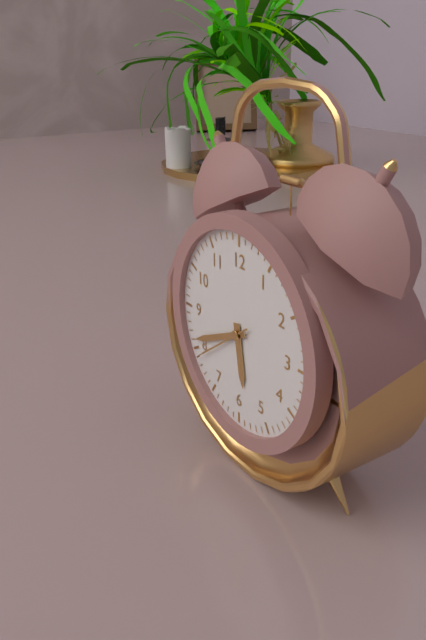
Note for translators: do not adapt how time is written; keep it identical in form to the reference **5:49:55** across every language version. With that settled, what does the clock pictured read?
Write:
**5:41:39**
